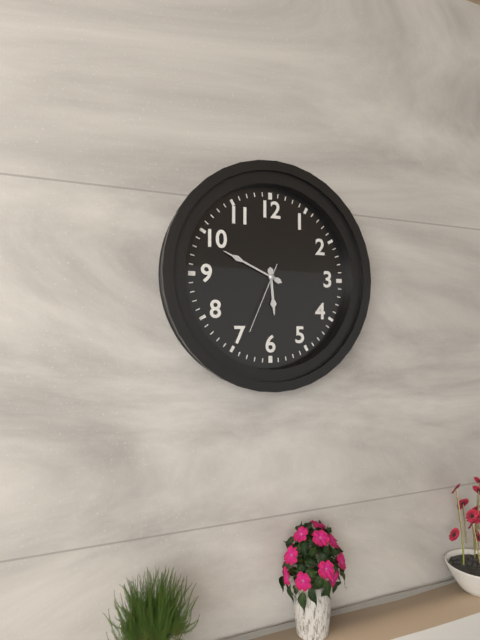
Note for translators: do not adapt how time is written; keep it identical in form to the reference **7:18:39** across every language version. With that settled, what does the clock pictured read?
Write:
**5:49:34**
